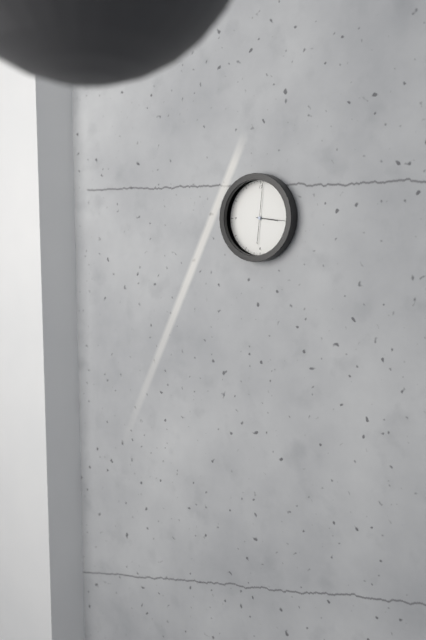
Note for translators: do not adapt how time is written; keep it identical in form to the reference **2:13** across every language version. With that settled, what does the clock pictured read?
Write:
**3:16**
